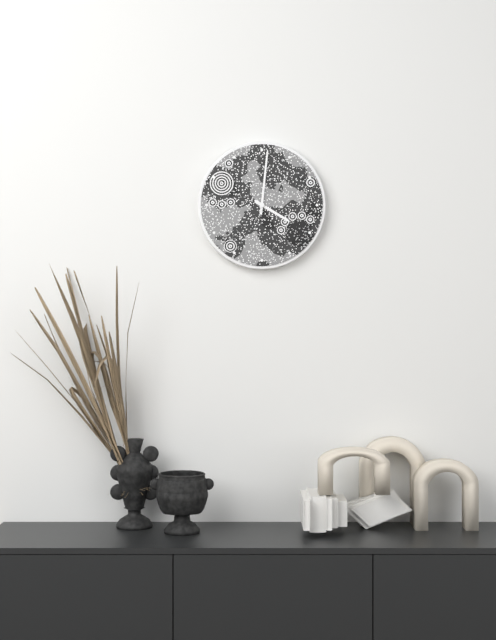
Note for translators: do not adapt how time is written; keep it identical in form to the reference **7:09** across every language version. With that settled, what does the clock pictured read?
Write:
**4:01**
